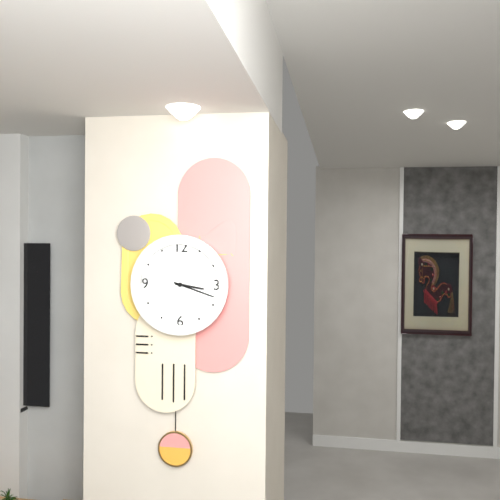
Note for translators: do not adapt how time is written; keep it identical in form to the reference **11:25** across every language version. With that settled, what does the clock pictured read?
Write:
**3:18**
